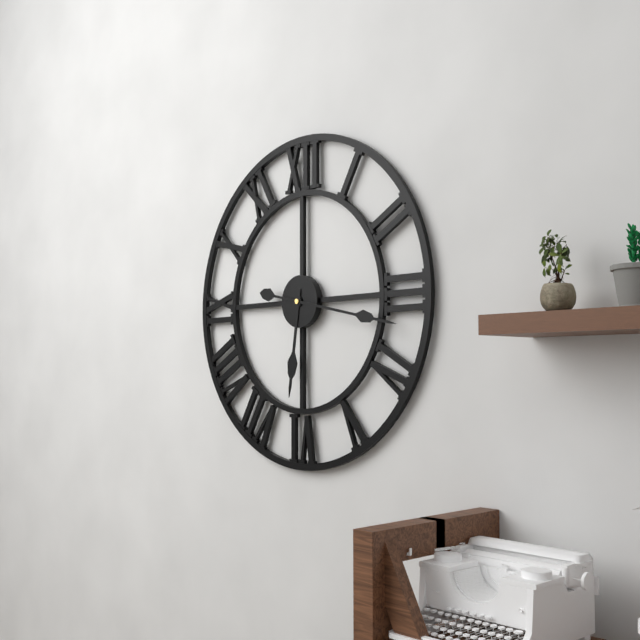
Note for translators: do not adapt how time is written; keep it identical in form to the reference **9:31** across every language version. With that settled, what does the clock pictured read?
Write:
**6:17**
